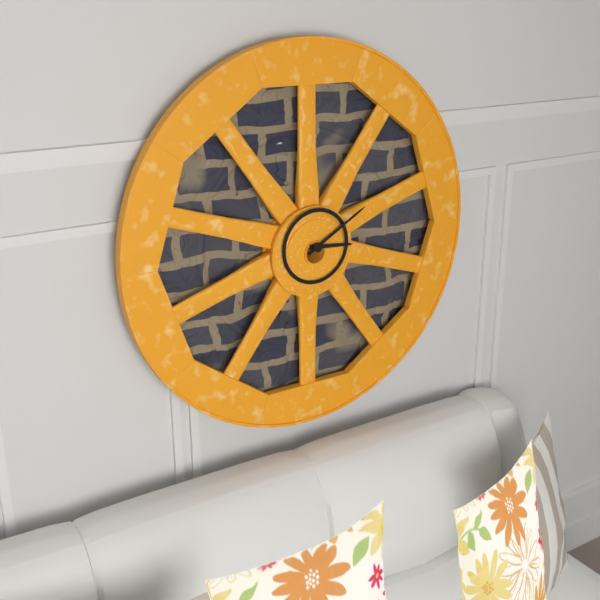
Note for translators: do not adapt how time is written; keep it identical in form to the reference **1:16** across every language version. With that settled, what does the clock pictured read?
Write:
**3:10**
